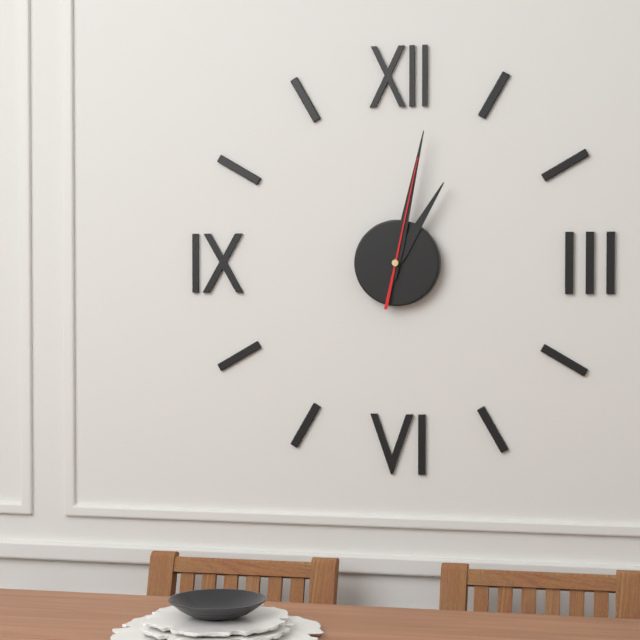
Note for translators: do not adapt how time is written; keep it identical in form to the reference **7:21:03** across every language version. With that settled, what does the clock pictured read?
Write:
**1:02:02**
